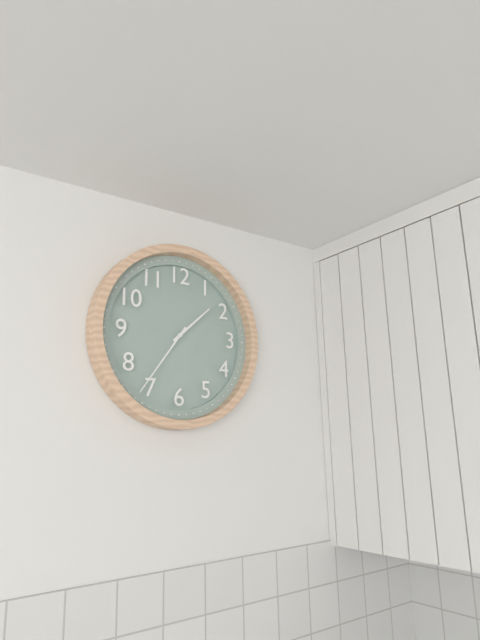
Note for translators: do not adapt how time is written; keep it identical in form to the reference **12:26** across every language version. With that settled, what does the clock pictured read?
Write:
**1:36**
